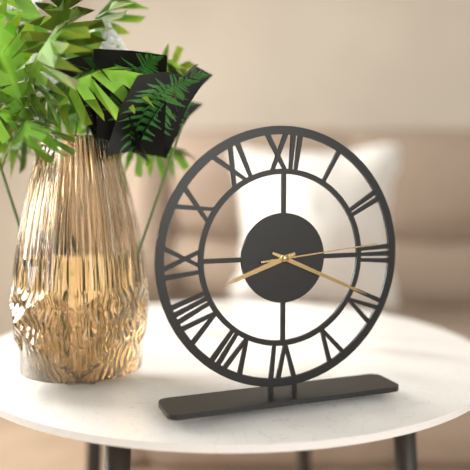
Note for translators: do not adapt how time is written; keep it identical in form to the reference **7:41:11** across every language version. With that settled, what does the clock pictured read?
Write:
**8:19:14**
